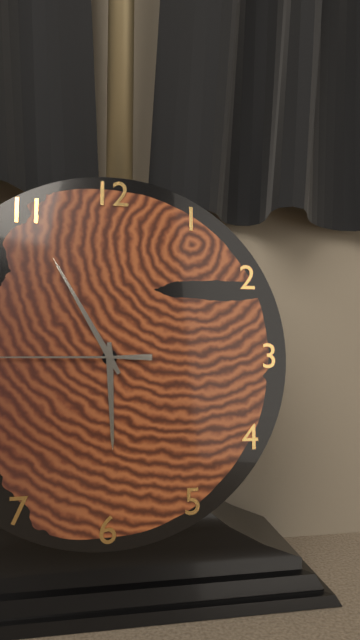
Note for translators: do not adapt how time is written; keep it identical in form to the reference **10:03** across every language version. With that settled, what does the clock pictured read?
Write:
**5:55**
